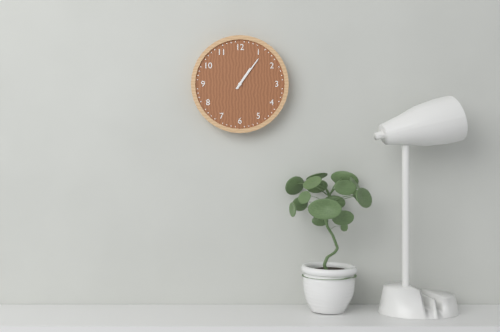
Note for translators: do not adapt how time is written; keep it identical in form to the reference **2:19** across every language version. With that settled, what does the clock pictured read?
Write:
**1:06**
